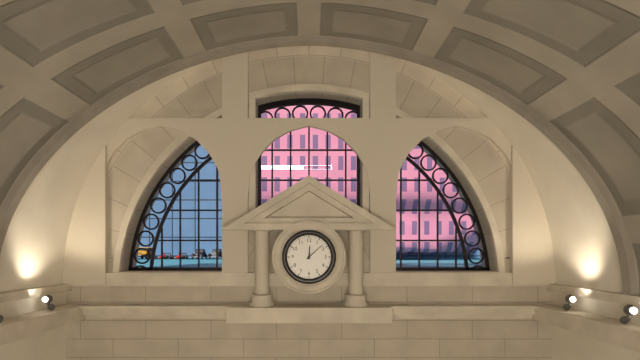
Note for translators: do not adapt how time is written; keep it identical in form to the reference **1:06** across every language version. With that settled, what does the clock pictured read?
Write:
**12:08**
